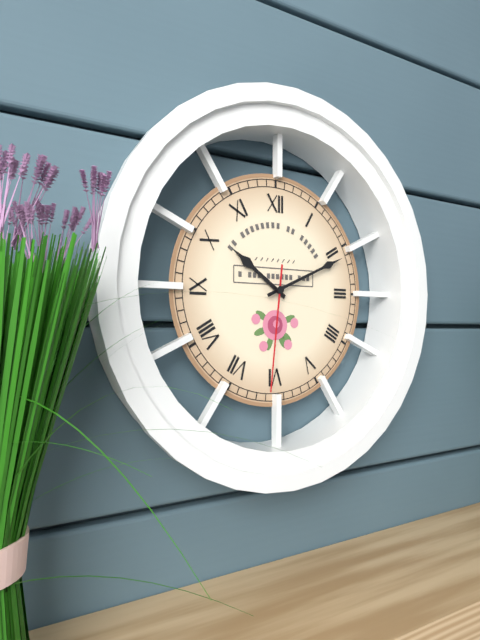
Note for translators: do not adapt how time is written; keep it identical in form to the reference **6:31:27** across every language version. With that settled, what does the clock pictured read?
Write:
**10:11:31**
